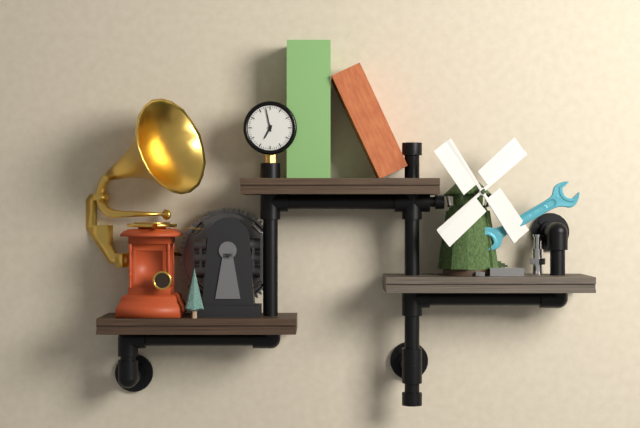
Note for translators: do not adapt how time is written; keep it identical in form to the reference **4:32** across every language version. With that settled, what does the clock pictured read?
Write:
**6:58**
